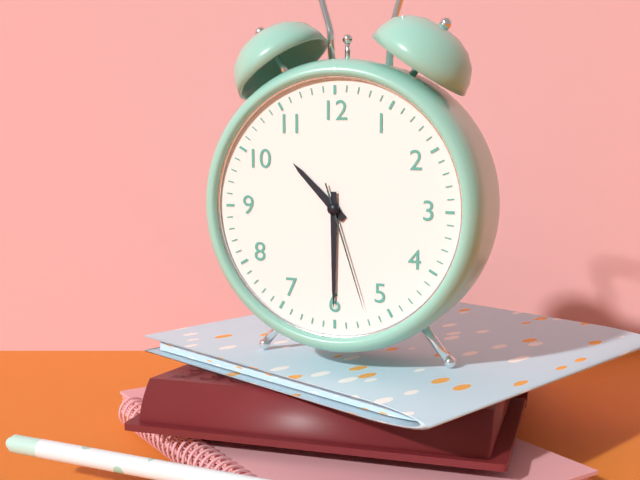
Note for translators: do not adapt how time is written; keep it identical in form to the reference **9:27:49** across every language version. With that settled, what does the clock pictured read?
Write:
**10:30:27**
